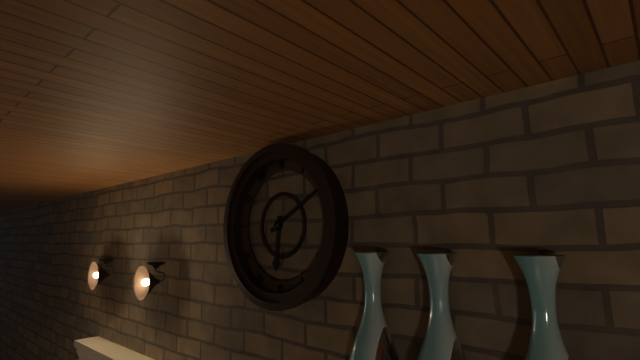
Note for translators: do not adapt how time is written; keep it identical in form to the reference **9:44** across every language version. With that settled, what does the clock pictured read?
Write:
**6:10**
